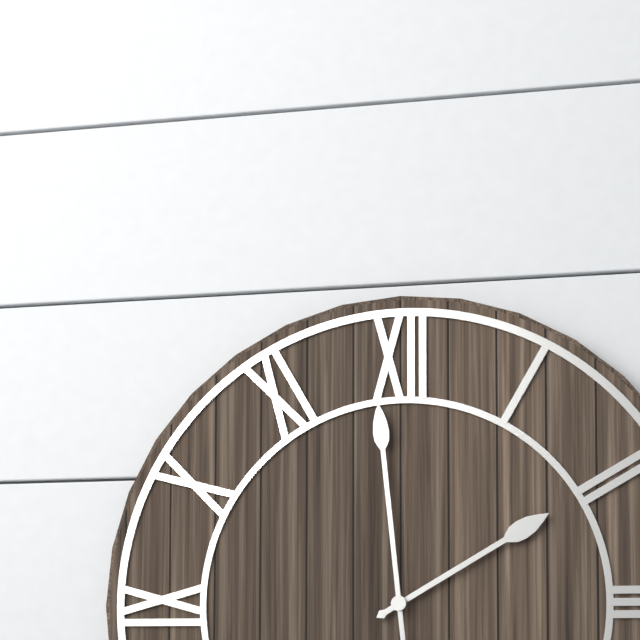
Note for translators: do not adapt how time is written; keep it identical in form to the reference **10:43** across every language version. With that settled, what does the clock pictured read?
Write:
**1:59**
